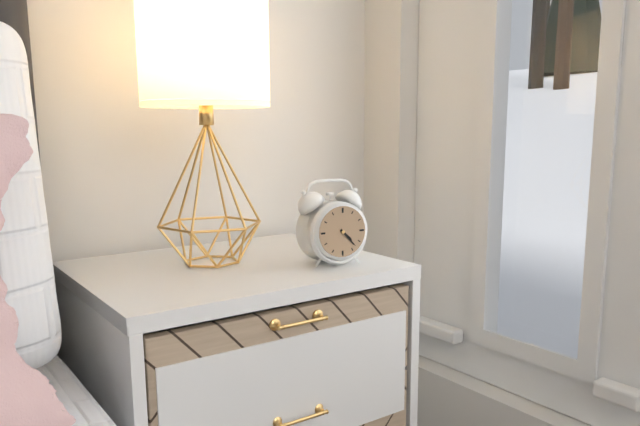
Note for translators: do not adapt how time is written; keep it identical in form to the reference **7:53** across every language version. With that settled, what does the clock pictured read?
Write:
**4:23**
